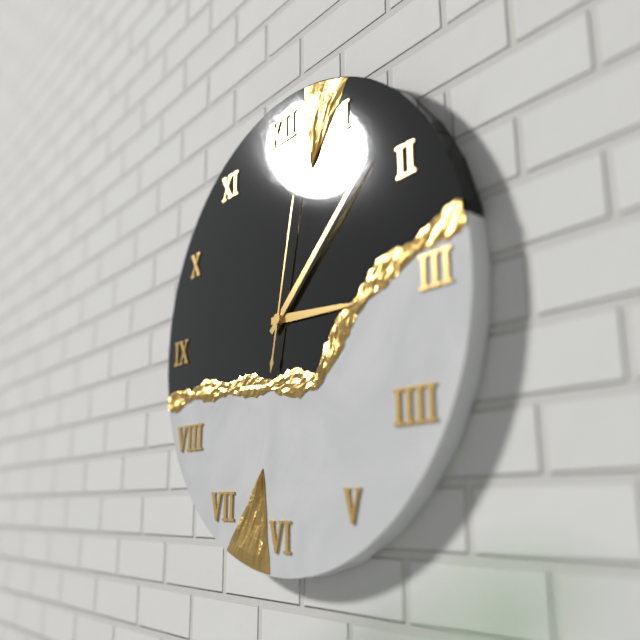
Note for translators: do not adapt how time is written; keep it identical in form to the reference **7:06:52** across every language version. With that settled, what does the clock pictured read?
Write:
**3:08:02**
